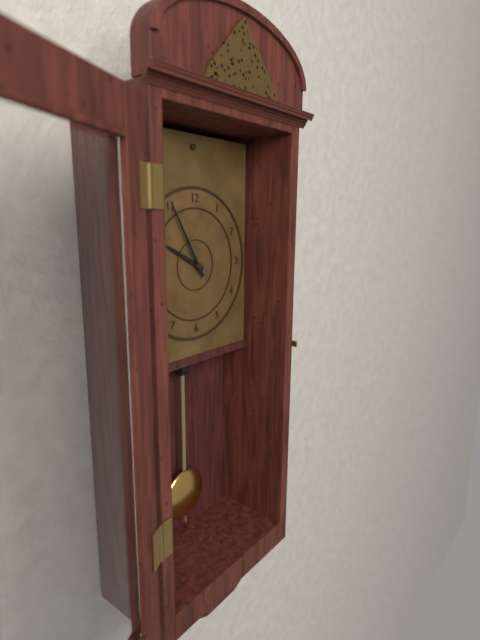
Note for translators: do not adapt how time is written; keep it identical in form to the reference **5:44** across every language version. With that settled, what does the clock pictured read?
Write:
**9:55**
